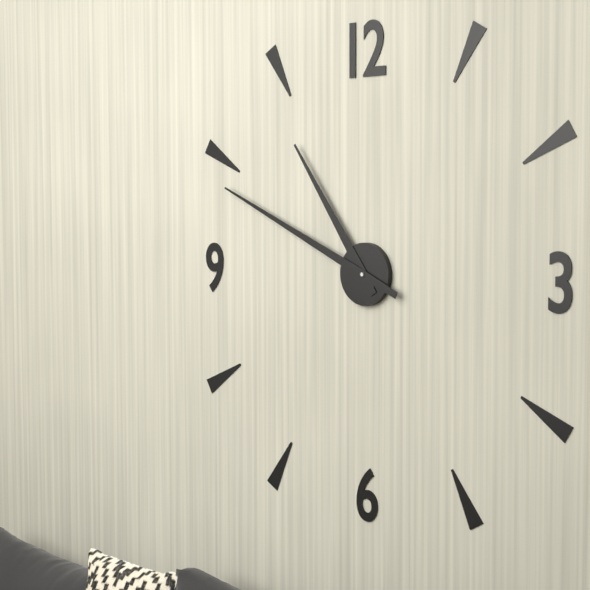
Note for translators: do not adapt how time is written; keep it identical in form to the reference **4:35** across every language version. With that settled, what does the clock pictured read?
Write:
**10:49**
